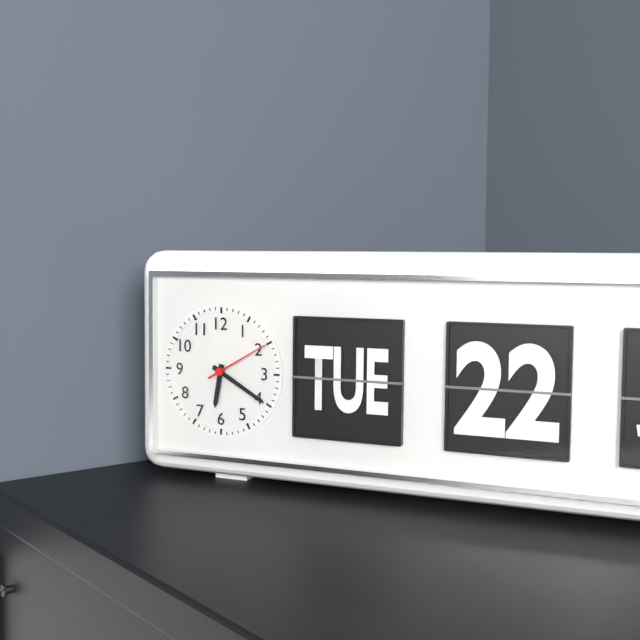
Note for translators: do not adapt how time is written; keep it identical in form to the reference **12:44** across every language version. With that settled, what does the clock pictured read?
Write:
**6:20**
